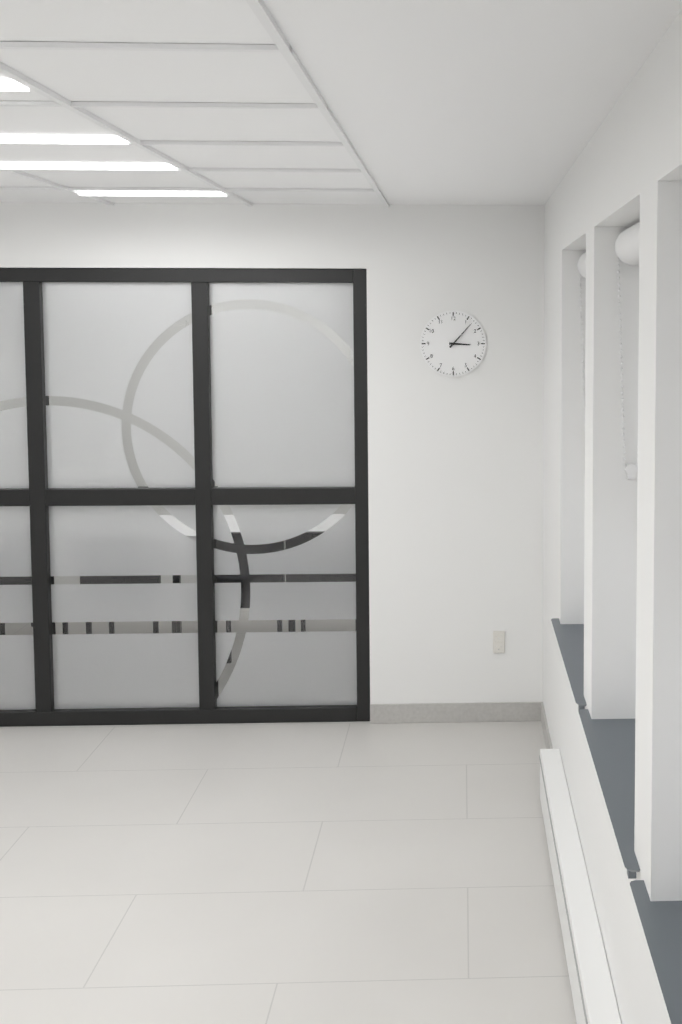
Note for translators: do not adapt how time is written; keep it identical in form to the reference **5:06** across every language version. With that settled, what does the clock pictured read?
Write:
**3:07**
